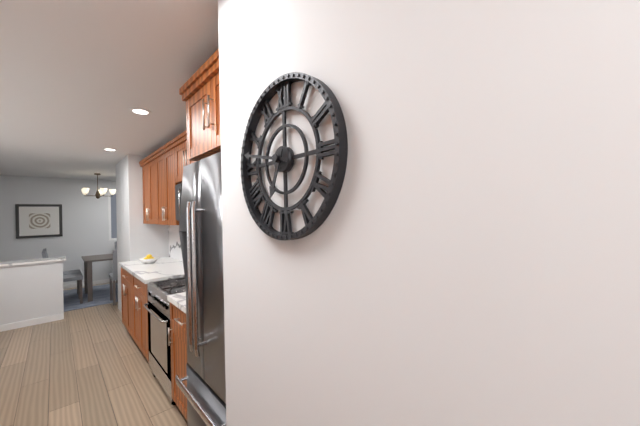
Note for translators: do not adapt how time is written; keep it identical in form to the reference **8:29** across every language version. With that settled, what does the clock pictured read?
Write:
**6:47**
